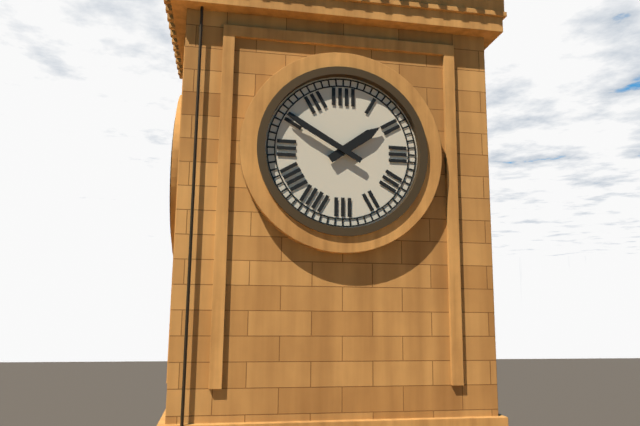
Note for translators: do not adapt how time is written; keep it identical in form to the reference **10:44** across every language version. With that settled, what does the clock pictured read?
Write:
**1:50**
